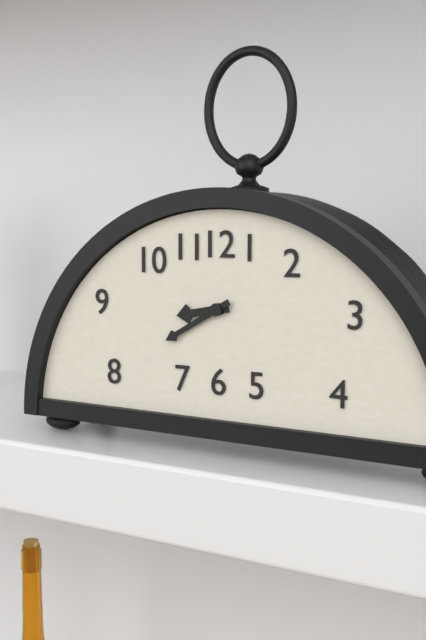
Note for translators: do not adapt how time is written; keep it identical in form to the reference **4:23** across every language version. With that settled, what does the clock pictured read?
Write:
**8:40**
